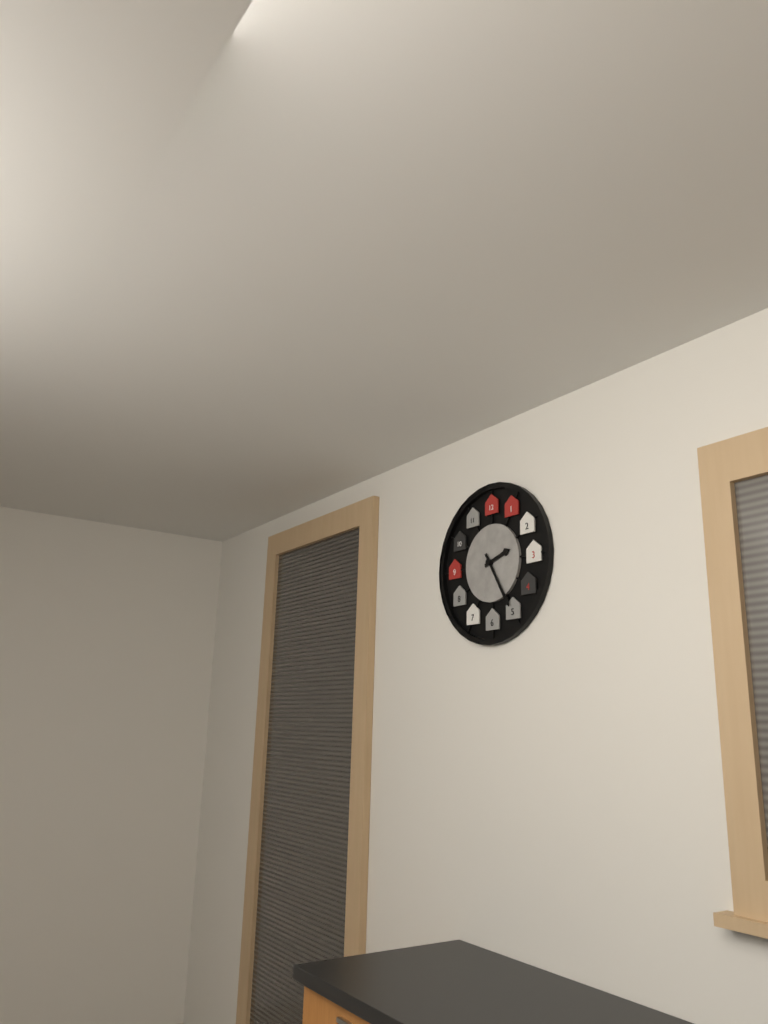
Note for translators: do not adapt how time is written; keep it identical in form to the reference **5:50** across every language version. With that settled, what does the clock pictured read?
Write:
**2:25**
